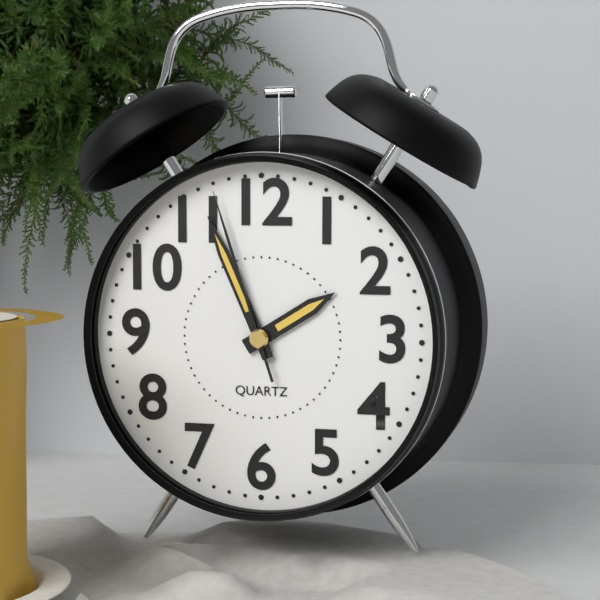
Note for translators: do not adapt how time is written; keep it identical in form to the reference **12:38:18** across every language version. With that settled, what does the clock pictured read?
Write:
**1:56:57**
